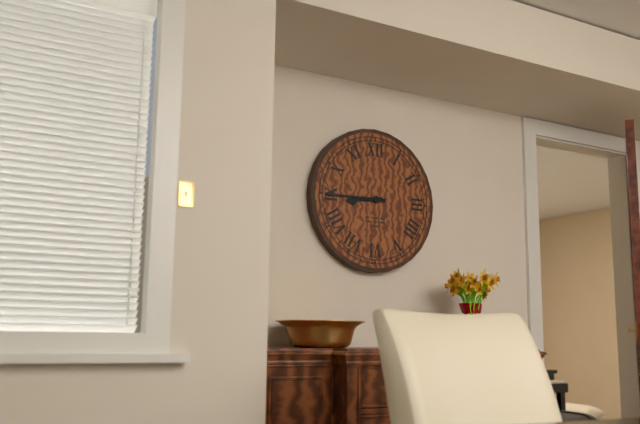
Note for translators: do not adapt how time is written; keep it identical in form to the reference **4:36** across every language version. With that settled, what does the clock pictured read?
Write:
**8:45**
